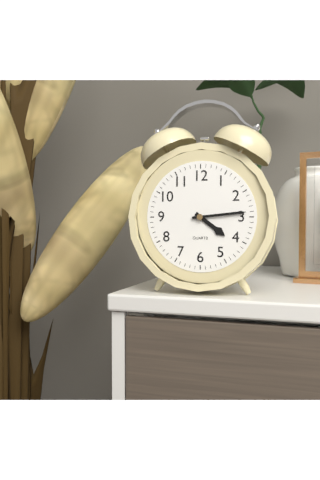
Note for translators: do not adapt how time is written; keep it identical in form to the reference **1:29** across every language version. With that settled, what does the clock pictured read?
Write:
**4:14**
